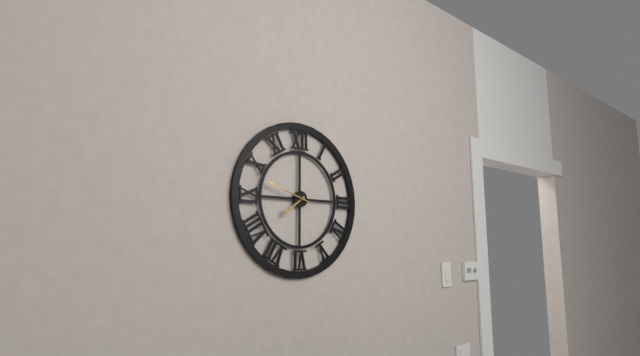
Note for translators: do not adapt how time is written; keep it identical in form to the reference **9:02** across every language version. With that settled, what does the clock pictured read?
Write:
**7:48**
